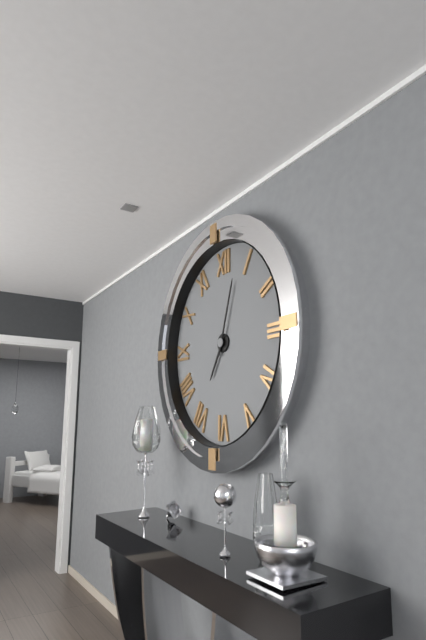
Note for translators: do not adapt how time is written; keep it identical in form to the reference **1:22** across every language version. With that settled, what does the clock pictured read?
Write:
**7:03**
